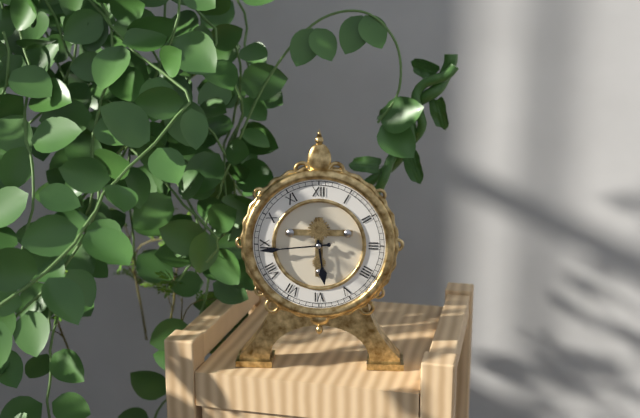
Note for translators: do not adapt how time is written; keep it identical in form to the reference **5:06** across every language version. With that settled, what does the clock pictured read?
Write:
**5:44**
